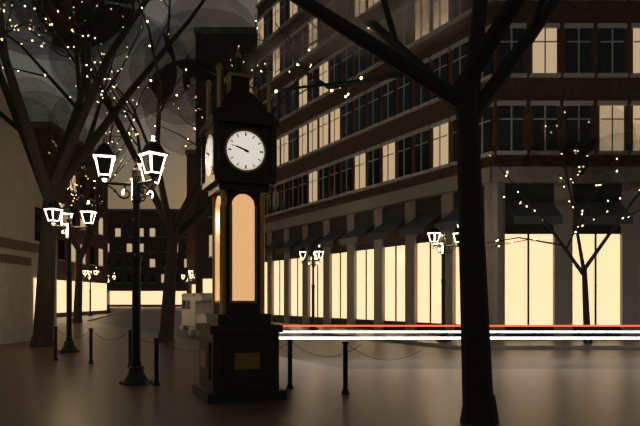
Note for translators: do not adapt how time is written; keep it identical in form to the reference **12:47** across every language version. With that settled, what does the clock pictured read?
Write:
**9:48**
